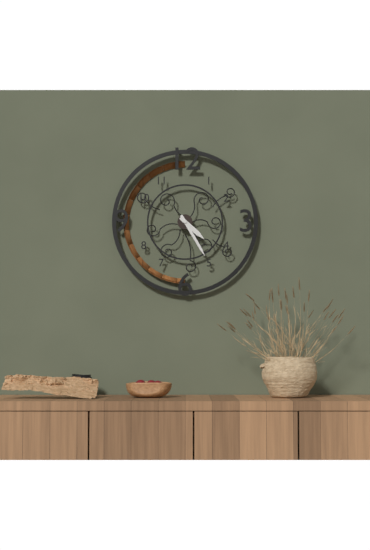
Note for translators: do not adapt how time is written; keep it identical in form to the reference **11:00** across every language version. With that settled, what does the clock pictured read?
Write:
**4:25**
